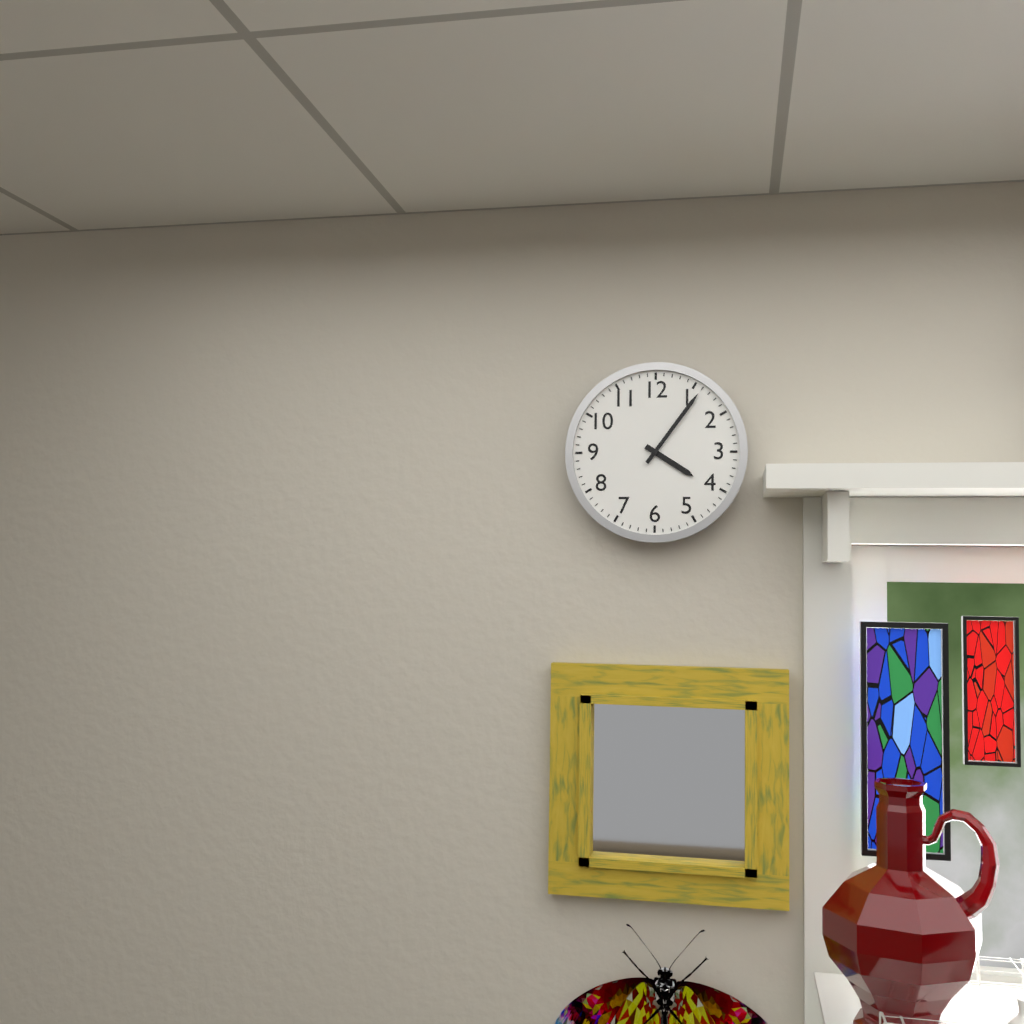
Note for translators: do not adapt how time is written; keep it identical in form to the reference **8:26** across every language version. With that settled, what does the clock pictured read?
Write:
**4:06**
